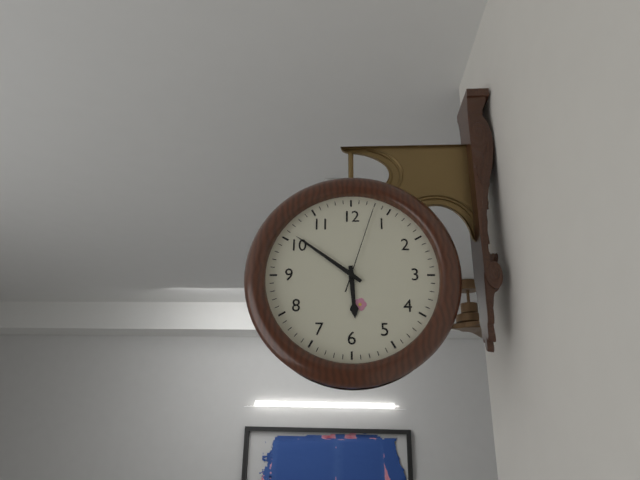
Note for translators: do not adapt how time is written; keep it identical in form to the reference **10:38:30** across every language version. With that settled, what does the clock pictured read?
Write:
**5:51:03**
